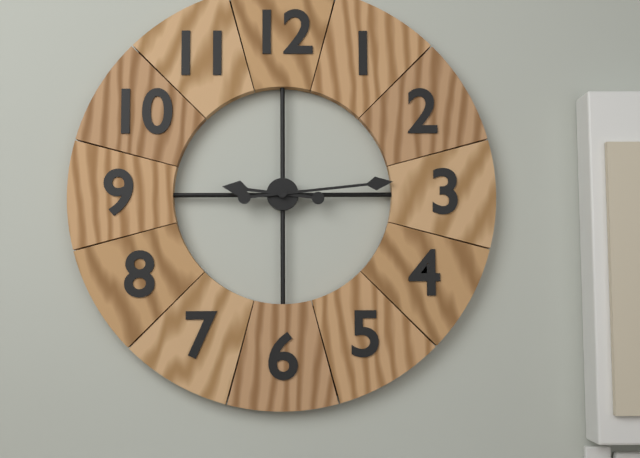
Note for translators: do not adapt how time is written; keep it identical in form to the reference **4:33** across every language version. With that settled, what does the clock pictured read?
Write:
**9:14**
